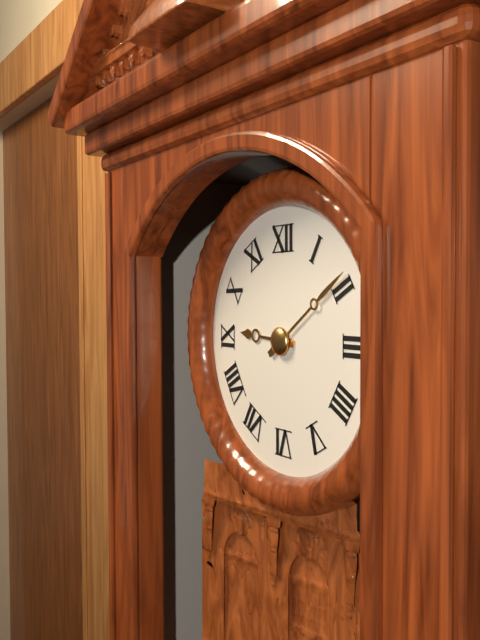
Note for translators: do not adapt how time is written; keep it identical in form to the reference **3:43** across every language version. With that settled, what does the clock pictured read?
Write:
**9:09**
